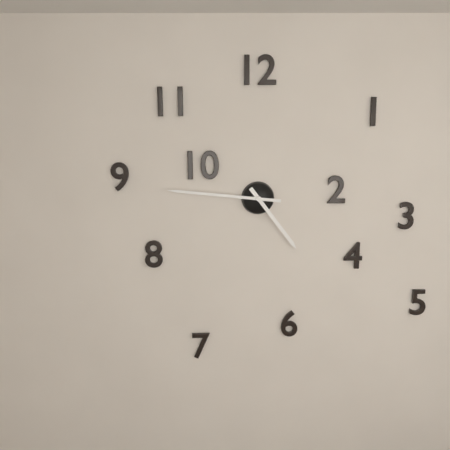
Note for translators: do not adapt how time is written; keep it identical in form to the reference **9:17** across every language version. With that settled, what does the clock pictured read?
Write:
**4:46**
